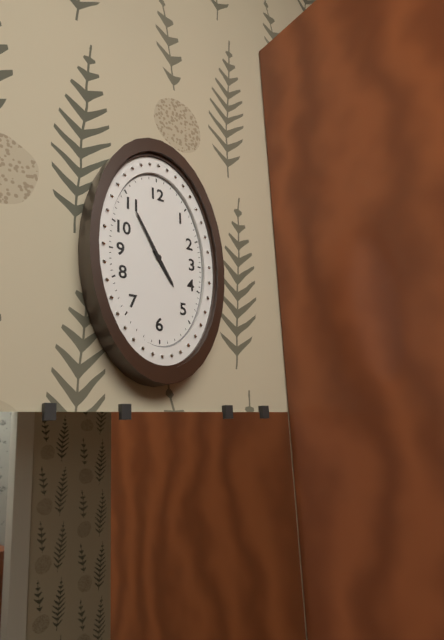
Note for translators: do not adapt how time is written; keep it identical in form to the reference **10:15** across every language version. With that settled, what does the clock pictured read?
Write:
**4:55**
